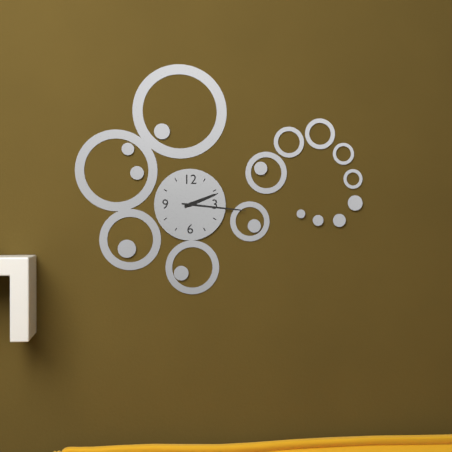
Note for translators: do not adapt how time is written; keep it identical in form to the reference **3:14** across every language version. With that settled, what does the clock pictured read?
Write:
**2:16**
